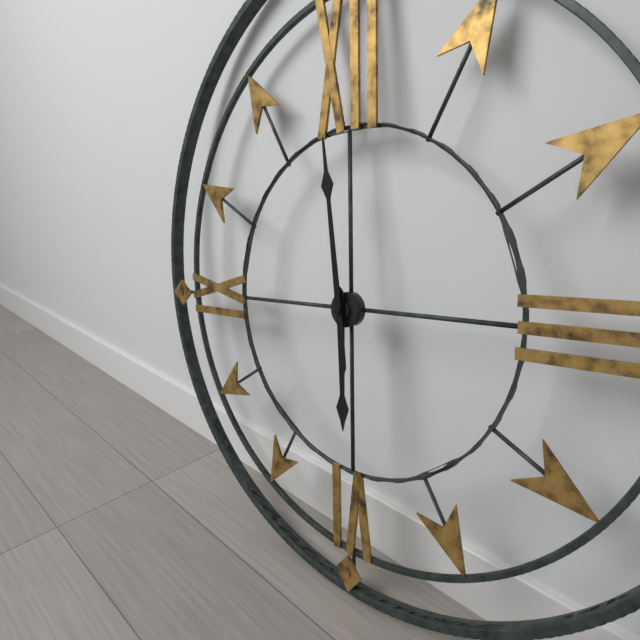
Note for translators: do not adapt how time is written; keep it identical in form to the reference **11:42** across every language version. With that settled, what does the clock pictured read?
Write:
**5:59**
